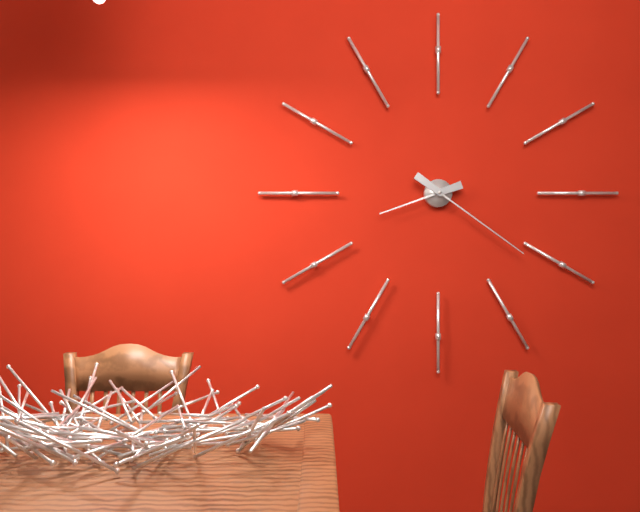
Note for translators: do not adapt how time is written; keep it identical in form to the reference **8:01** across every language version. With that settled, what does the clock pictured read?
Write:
**8:21**
